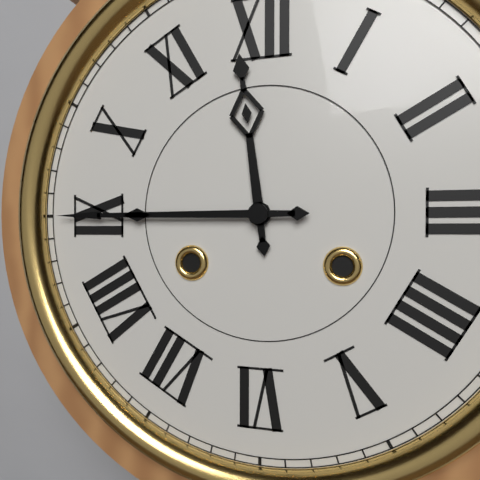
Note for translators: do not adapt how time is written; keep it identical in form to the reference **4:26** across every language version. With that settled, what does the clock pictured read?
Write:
**11:45**
